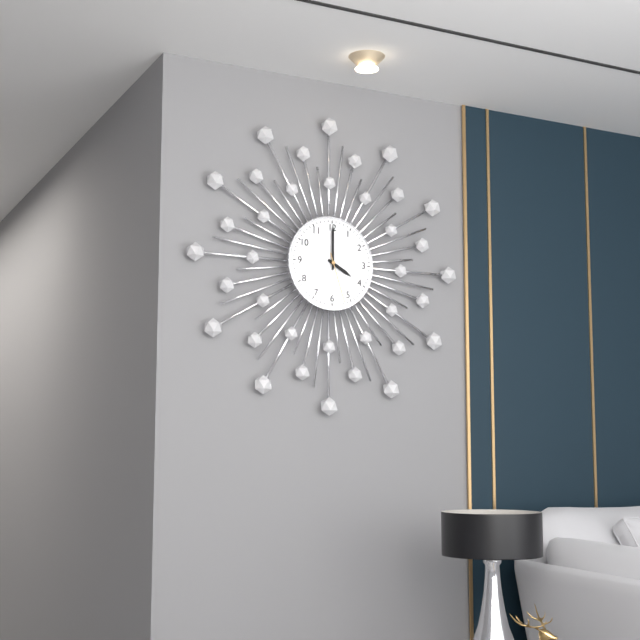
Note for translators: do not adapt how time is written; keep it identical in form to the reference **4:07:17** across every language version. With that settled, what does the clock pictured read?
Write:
**4:00:27**
